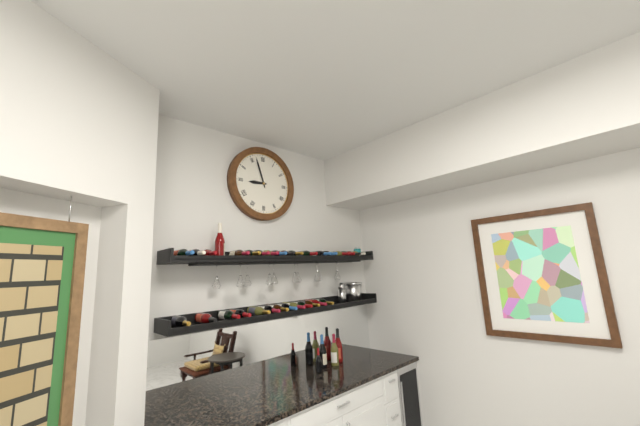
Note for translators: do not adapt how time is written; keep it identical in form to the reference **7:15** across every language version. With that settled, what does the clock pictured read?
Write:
**8:57**
